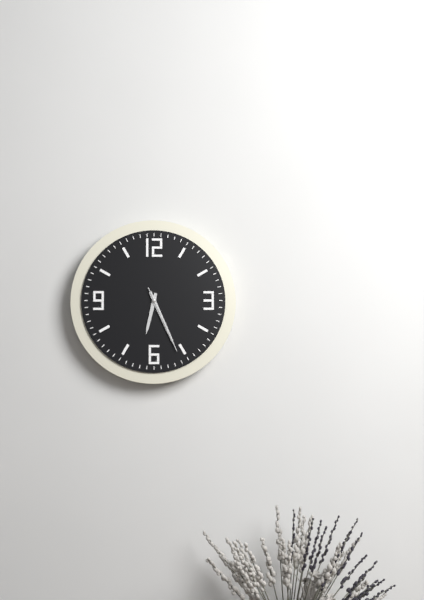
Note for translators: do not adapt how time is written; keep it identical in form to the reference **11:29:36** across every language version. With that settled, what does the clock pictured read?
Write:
**6:26:26**
